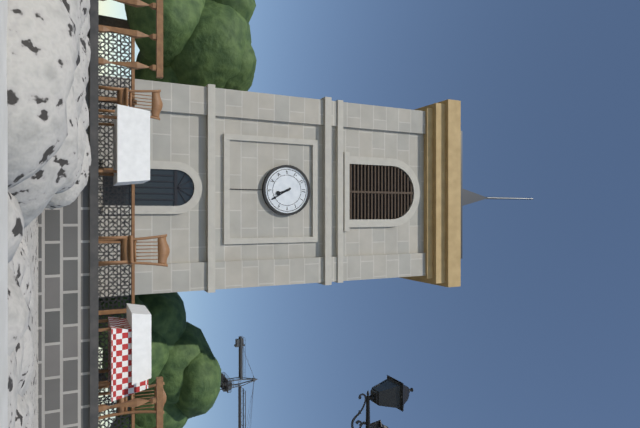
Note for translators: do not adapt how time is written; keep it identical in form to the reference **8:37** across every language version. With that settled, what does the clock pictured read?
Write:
**5:25**
